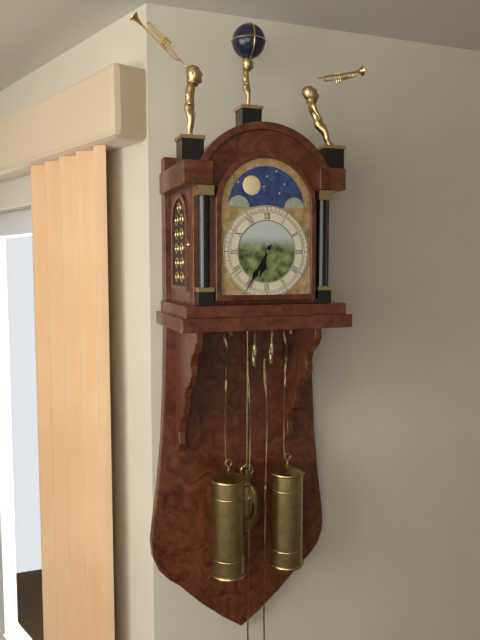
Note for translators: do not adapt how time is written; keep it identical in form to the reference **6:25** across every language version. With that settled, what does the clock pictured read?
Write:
**6:35**
